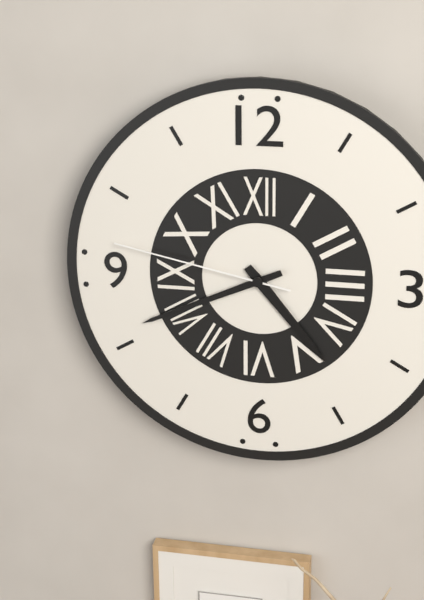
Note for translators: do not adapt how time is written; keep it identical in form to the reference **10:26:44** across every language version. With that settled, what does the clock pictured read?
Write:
**4:41:47**
